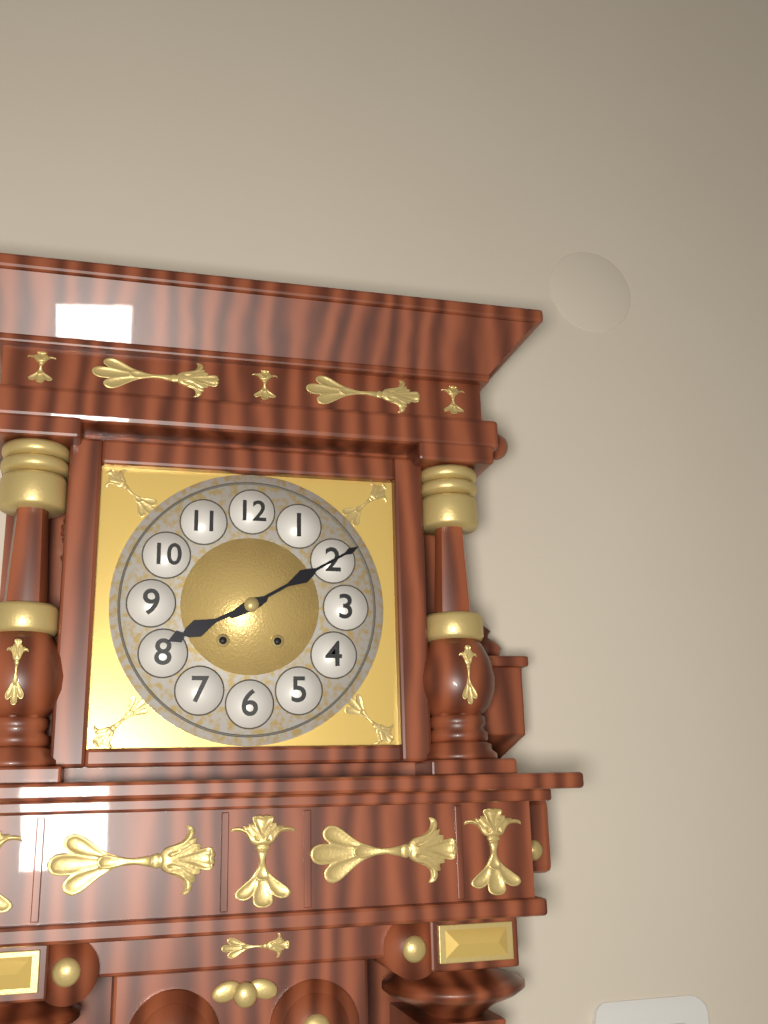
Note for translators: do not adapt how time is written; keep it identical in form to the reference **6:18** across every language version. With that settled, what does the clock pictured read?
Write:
**8:10**
